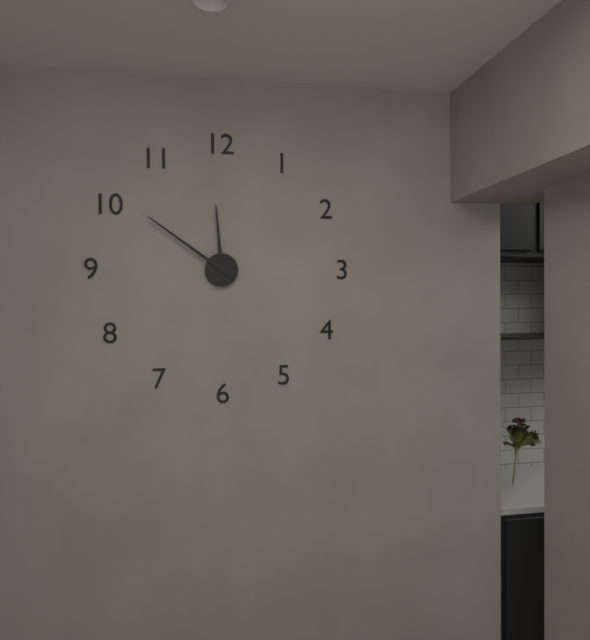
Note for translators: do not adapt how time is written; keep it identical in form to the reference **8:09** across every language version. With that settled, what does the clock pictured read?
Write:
**11:51**
